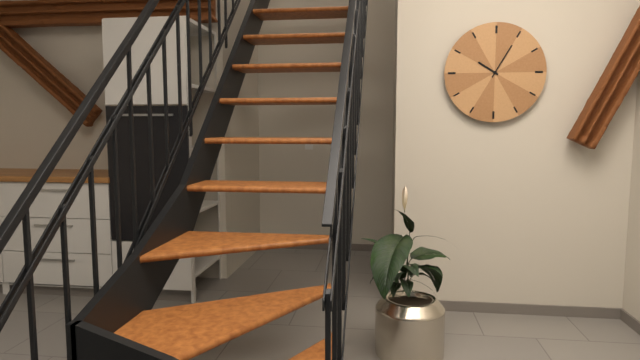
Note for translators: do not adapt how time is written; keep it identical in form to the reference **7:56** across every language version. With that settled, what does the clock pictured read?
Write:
**10:05**
